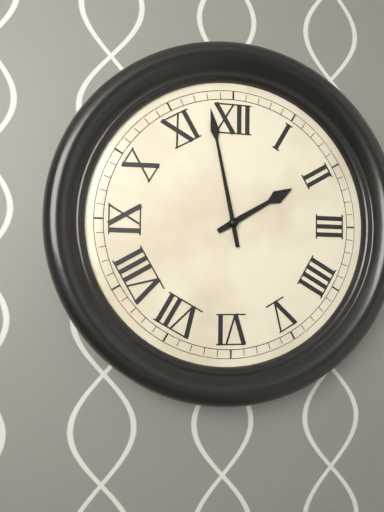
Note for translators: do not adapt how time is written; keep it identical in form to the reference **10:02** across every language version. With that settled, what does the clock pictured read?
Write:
**1:58**
